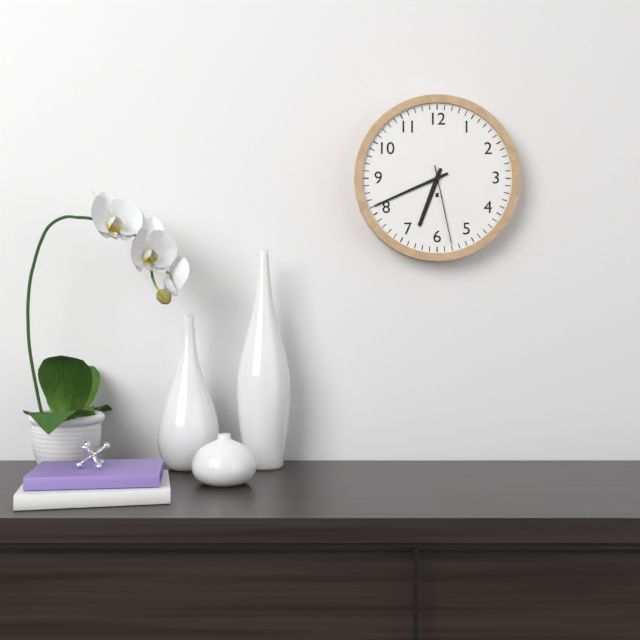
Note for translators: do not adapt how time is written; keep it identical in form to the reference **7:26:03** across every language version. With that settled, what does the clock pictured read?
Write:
**6:41:28**
